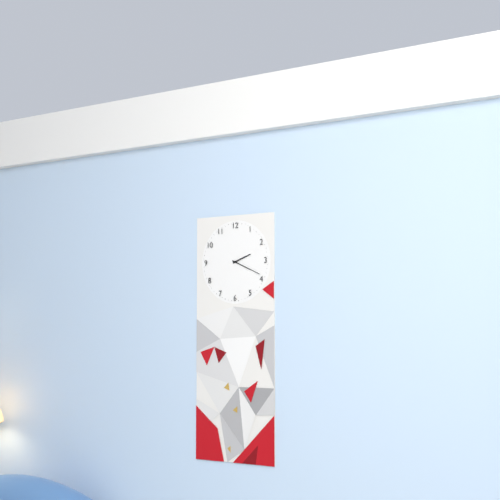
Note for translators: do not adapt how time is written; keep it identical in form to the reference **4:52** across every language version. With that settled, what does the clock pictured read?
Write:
**2:19**
